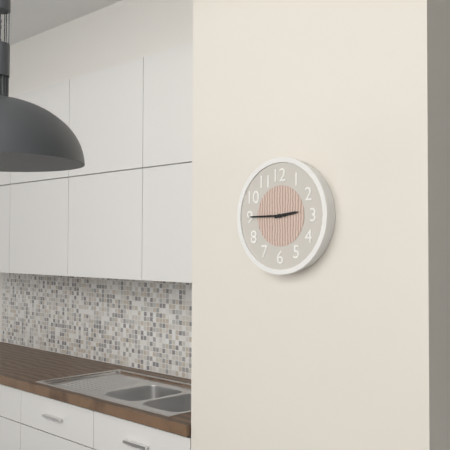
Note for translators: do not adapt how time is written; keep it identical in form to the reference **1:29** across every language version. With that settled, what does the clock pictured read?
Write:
**2:45**
